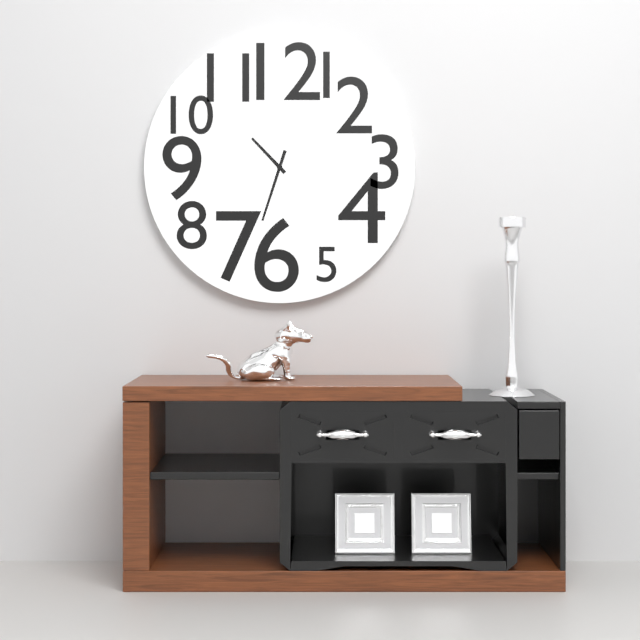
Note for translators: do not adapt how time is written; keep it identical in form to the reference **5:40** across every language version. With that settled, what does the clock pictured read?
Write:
**10:33**
